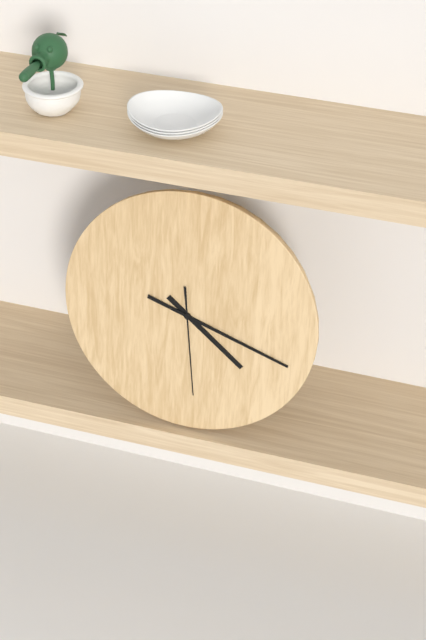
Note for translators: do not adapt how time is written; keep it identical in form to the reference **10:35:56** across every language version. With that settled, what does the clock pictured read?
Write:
**4:18:29**
